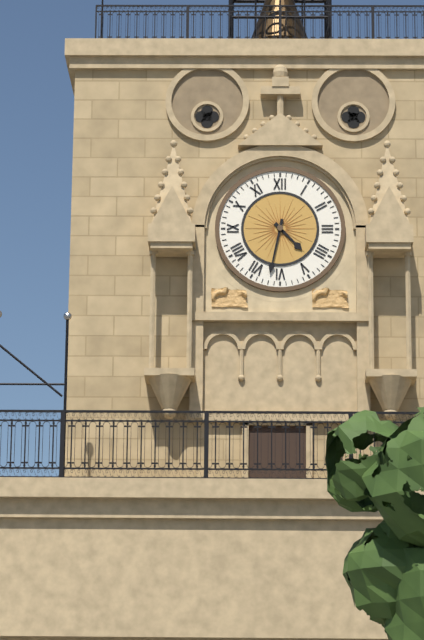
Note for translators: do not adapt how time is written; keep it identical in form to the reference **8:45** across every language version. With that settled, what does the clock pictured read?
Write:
**4:32**
